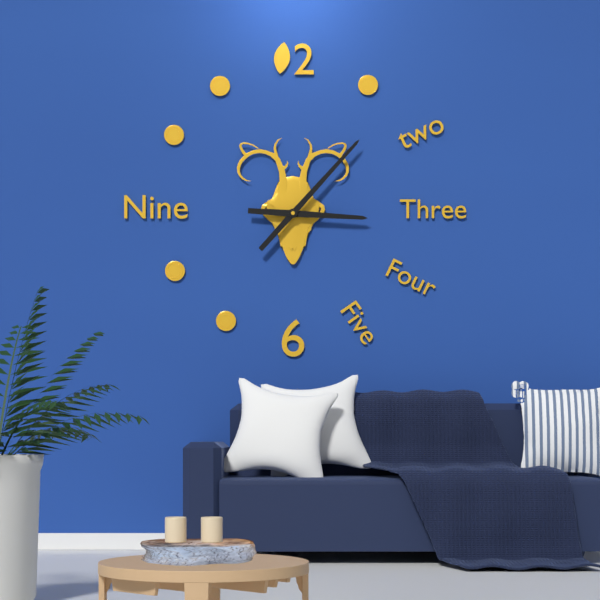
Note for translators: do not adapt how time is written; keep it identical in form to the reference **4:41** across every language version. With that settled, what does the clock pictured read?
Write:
**3:07**
